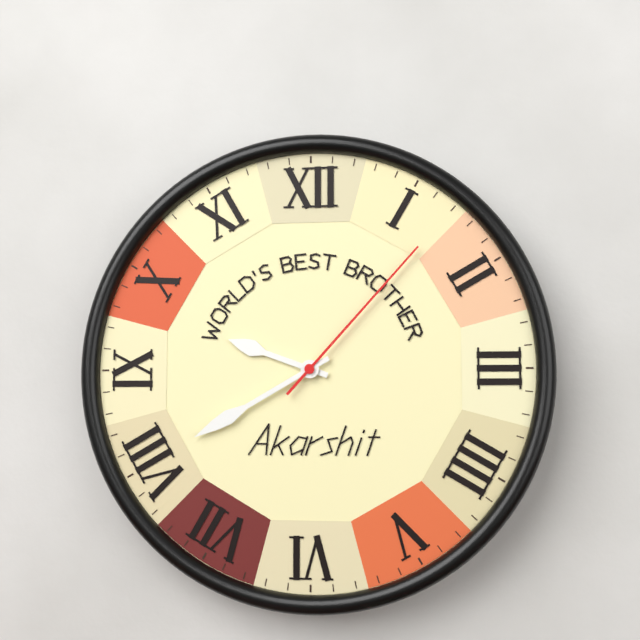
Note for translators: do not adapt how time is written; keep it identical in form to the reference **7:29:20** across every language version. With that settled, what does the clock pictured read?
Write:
**9:40:07**
